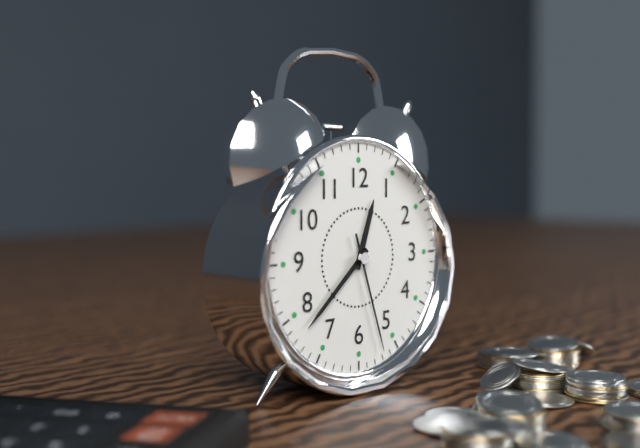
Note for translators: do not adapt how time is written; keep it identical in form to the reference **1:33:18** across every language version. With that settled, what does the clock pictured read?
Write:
**12:38:27**
